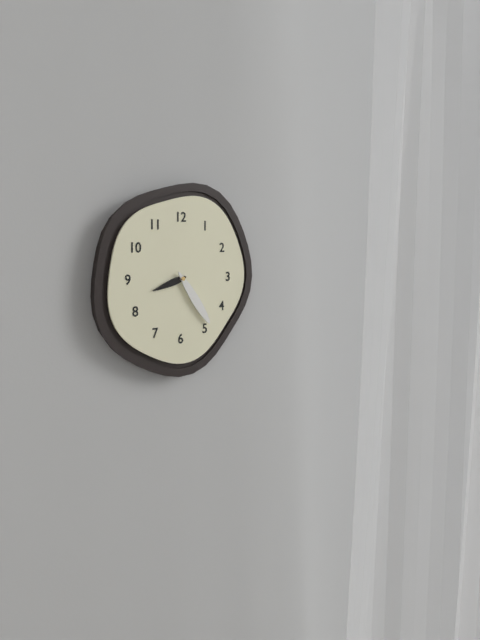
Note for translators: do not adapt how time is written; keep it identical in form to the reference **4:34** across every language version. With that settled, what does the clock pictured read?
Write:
**8:24**
